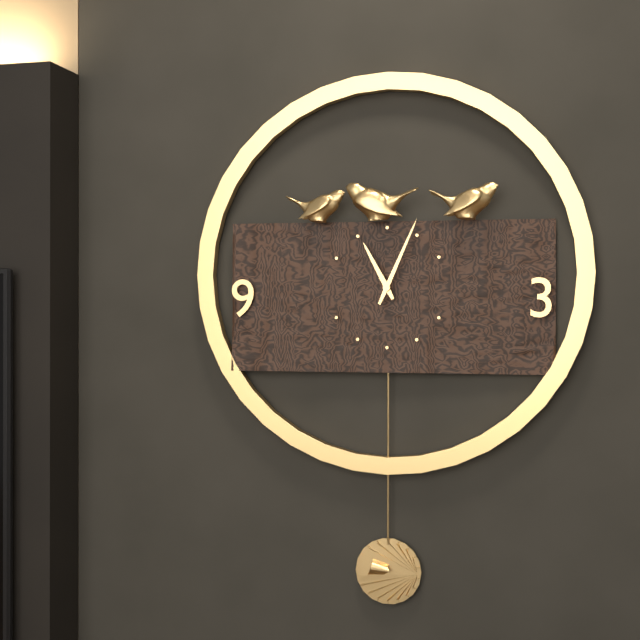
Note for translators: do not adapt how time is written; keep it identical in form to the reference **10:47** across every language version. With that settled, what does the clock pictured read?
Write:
**11:04**
